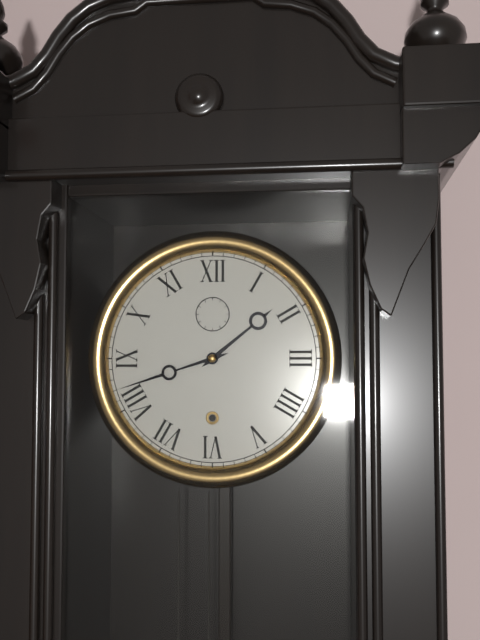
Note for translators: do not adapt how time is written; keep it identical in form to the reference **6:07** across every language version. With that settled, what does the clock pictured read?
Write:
**1:42**
